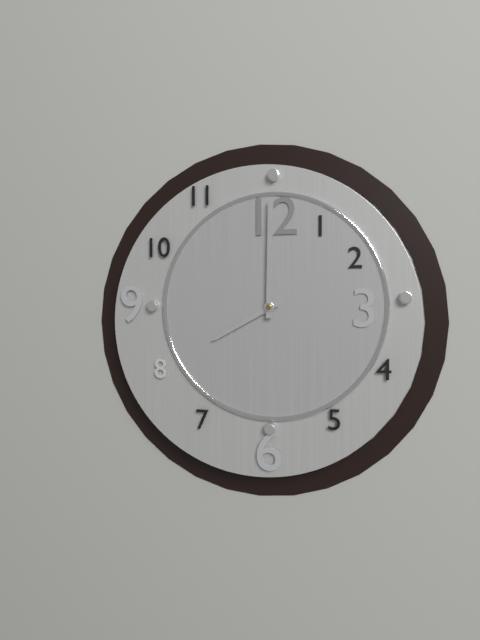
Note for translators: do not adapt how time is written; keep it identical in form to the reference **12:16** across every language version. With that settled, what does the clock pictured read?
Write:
**8:00**
